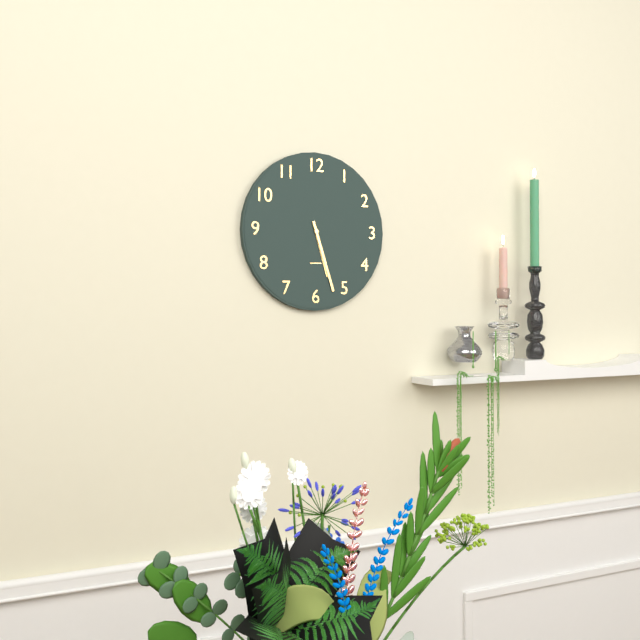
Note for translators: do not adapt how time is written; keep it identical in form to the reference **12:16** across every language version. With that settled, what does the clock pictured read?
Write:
**5:27**
